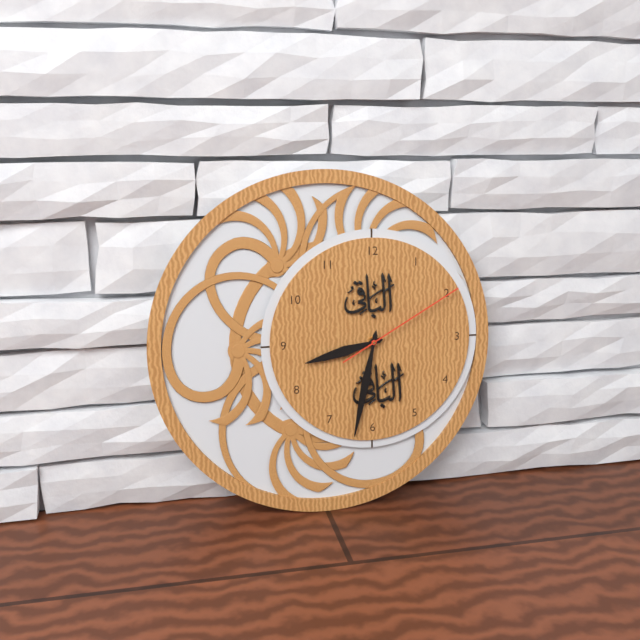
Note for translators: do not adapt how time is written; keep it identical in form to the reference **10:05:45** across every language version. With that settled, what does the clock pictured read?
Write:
**8:32:10**
